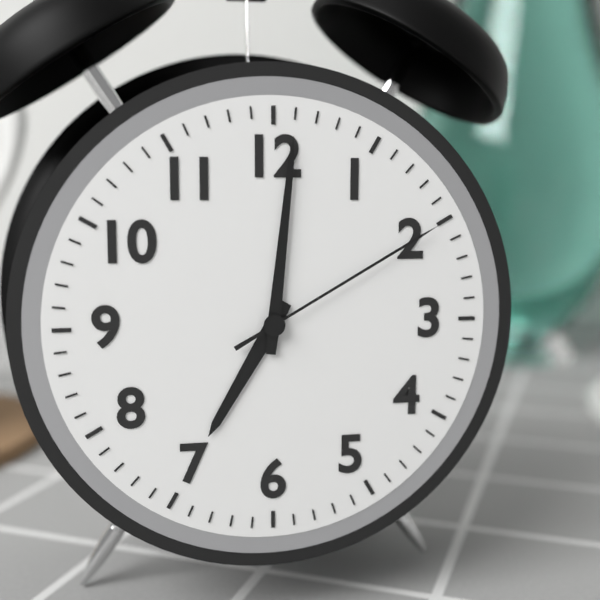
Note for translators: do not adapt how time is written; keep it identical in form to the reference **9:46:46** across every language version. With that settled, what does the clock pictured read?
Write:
**7:01:10**
